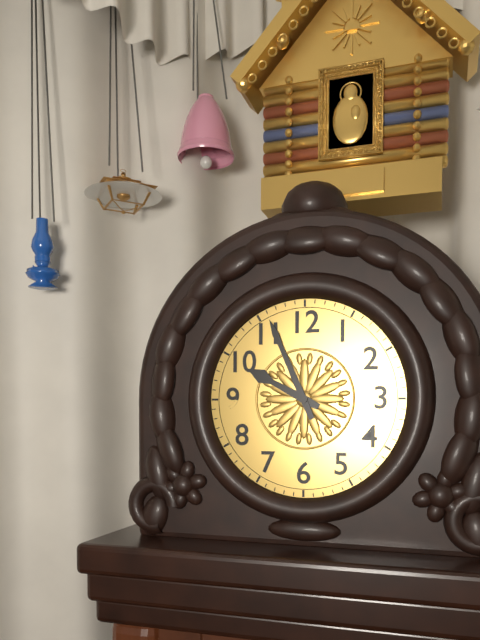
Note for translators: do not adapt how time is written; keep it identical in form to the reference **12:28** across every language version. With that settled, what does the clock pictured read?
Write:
**9:56**
